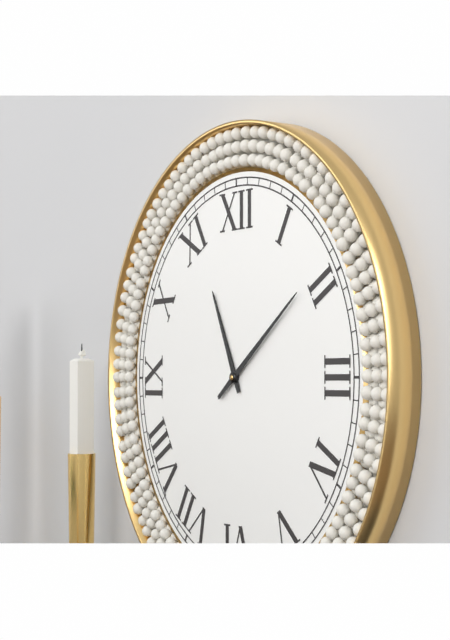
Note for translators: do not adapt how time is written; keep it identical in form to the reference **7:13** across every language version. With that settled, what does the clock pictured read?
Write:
**11:09**
